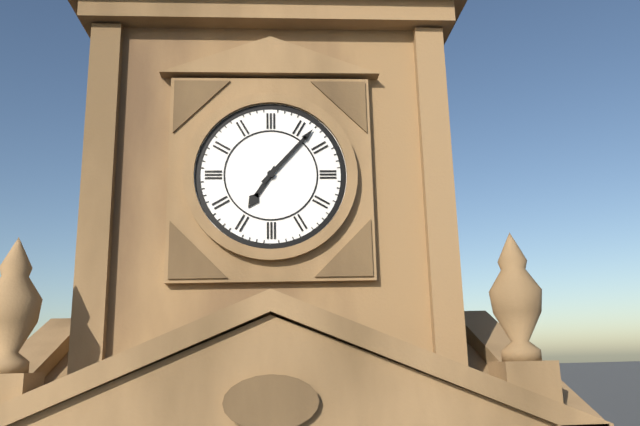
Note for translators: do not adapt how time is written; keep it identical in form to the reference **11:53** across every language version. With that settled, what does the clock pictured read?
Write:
**7:07**
